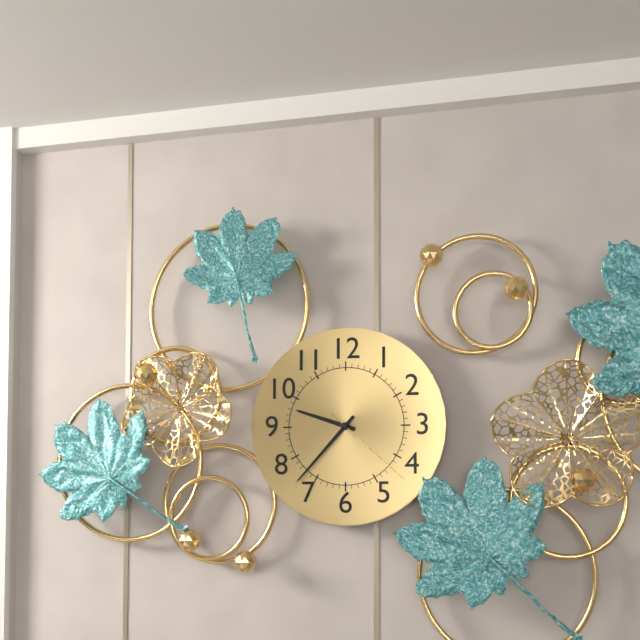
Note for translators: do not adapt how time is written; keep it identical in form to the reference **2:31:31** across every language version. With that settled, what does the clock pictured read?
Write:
**9:37:22**
